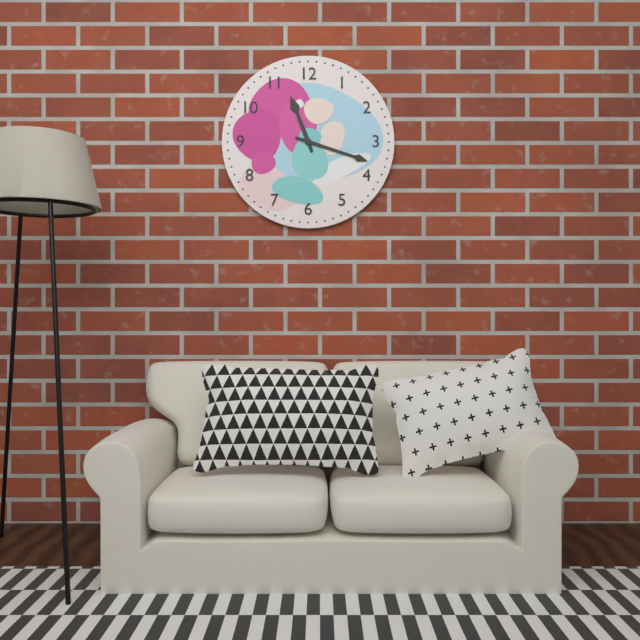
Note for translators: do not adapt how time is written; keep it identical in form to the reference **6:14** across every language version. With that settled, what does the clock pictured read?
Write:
**11:18**
